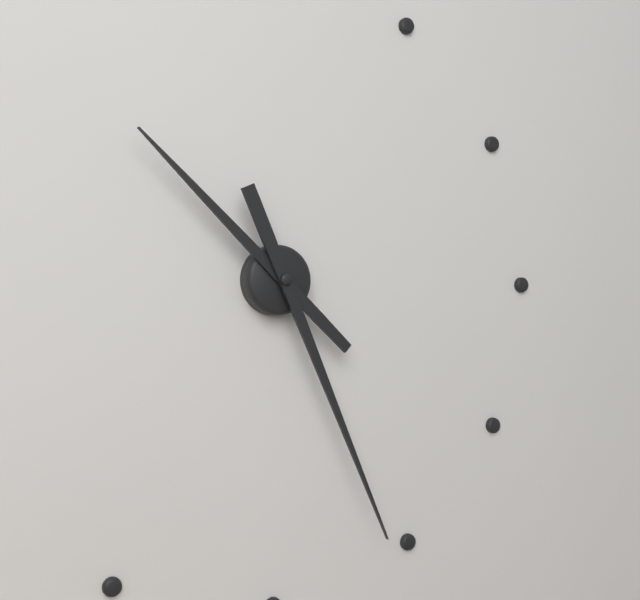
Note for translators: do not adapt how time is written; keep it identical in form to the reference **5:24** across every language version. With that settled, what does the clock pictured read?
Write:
**10:26**
